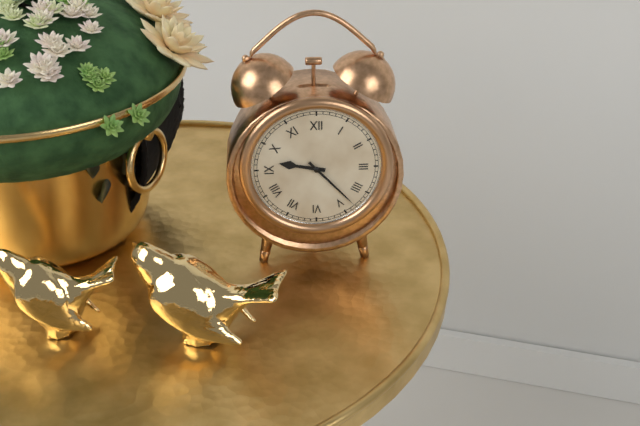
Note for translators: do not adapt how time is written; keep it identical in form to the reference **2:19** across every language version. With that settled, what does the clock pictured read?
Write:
**9:23**
